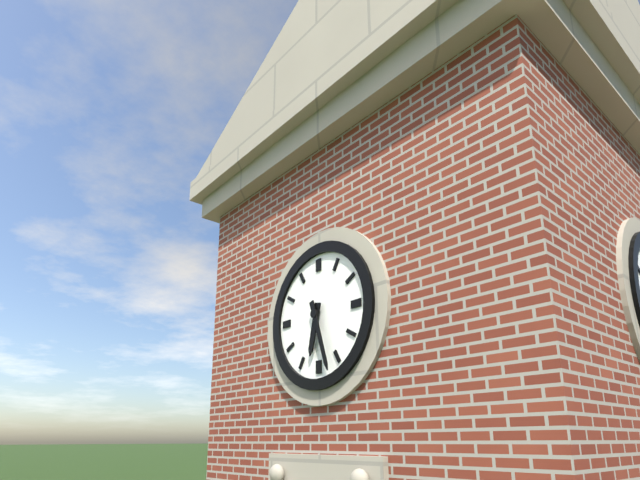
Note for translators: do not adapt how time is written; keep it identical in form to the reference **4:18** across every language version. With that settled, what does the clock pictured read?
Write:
**6:27**
